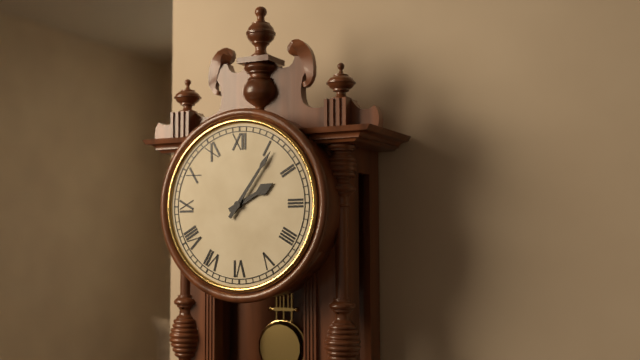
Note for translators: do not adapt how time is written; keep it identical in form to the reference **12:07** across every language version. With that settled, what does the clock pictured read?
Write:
**2:06**
